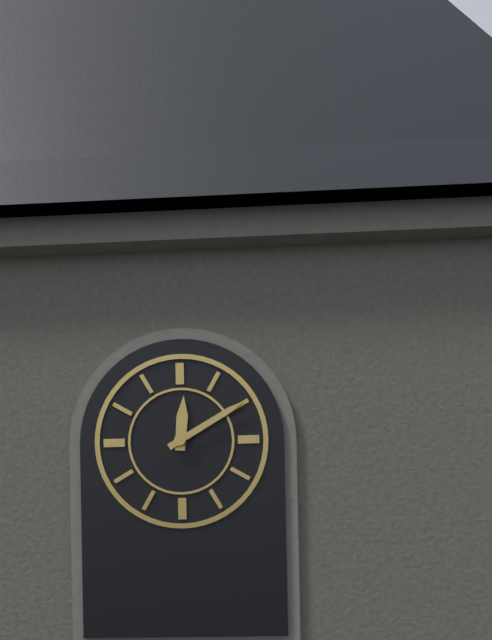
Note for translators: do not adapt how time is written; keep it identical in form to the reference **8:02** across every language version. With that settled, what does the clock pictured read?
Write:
**12:10**
